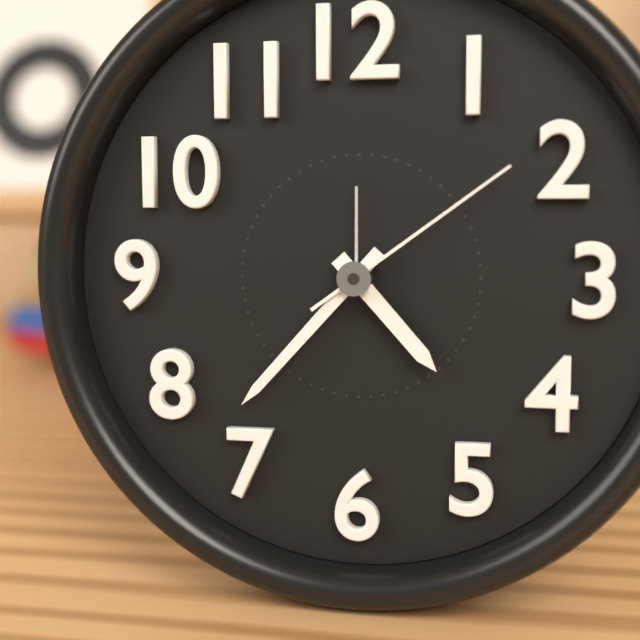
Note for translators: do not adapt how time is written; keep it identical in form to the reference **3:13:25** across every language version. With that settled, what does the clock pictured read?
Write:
**4:37:09**
